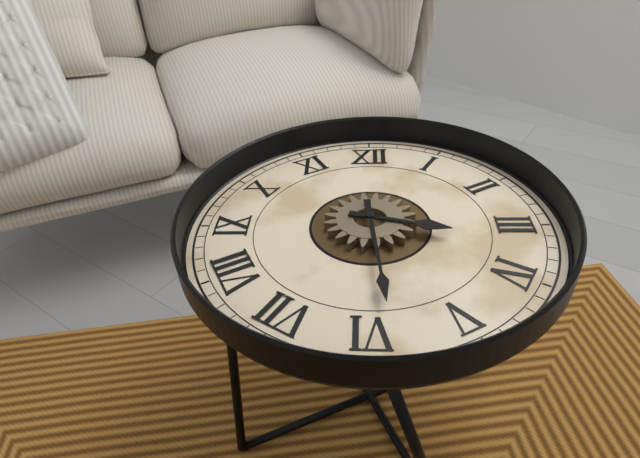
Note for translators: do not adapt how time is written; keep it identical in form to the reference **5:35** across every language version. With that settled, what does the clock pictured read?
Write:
**3:29**
